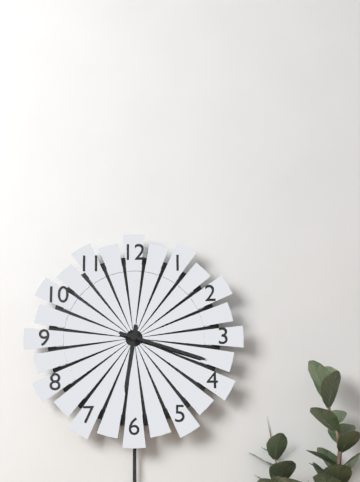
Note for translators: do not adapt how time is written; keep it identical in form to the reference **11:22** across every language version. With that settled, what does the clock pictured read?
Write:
**6:18**
